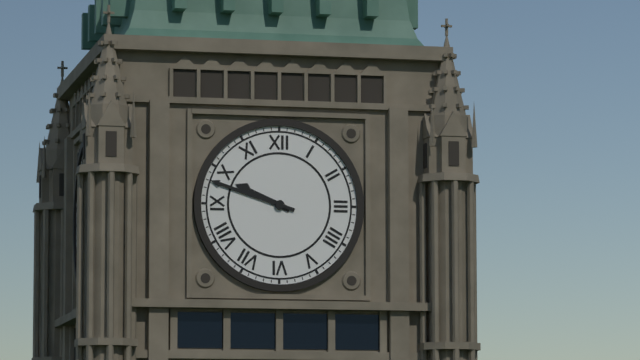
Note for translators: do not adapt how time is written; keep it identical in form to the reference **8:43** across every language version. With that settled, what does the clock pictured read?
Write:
**9:48**
